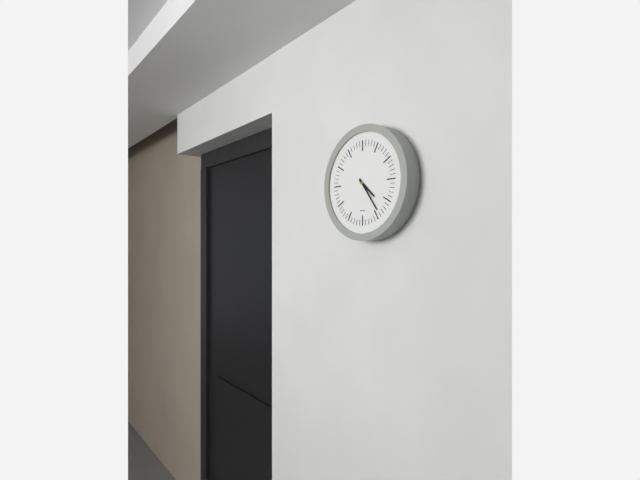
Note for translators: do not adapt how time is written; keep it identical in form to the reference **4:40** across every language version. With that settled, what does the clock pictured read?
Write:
**4:24**
